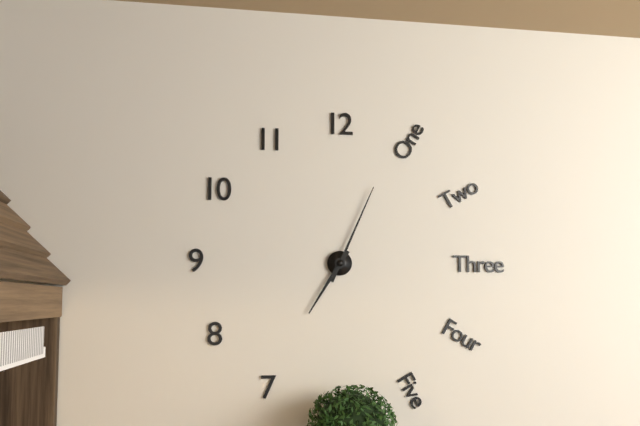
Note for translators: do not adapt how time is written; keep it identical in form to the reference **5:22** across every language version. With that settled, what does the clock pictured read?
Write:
**7:04**
